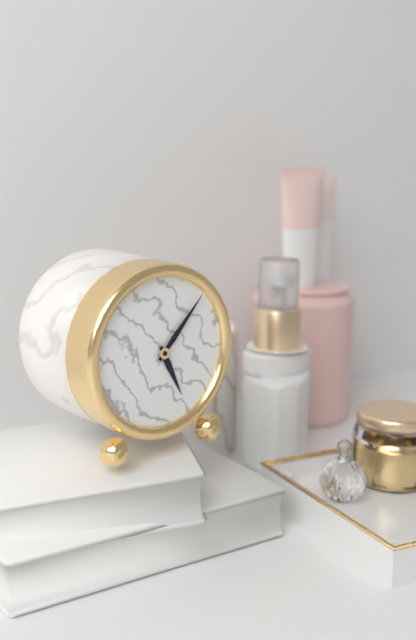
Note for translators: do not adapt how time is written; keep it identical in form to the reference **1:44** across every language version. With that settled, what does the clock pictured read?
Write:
**5:07**
